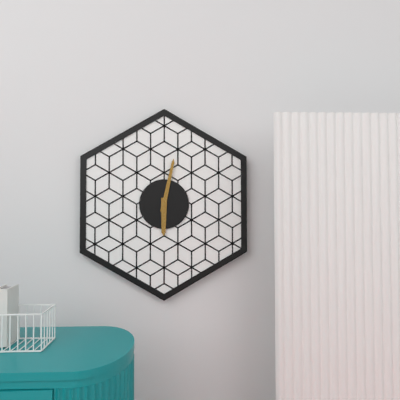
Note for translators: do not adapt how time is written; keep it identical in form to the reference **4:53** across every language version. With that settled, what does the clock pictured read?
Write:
**6:02**
